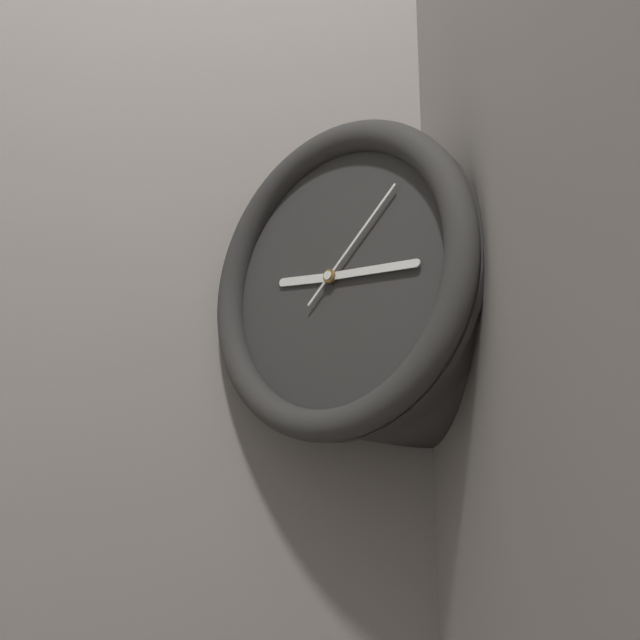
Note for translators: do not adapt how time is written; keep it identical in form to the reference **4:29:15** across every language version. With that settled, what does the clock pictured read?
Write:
**9:16:08**
